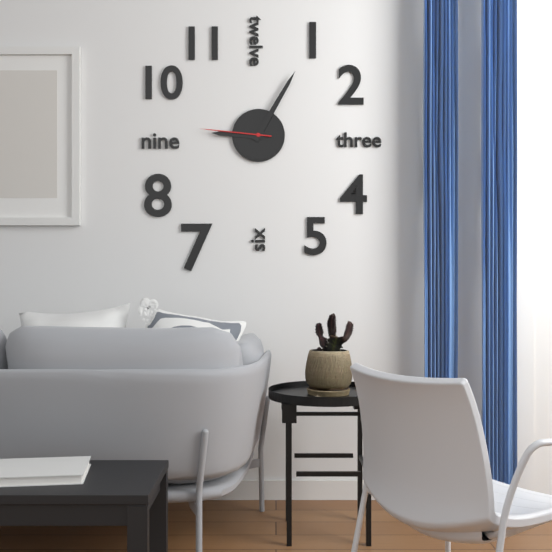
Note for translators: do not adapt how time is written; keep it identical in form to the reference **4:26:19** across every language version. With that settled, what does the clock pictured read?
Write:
**9:05:46**
